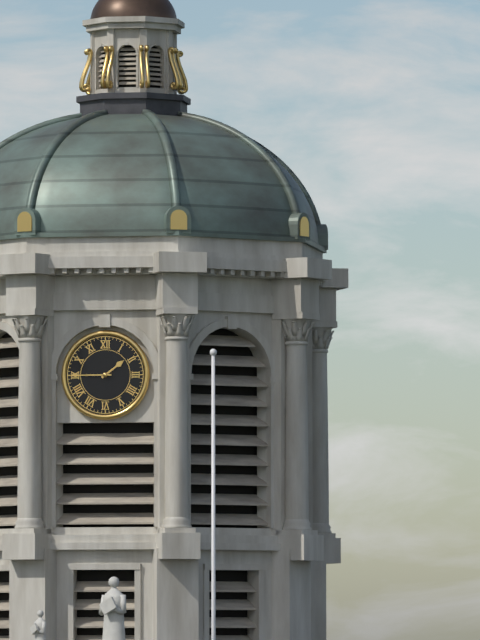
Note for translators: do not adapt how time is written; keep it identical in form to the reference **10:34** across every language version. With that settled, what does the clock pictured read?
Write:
**1:45**
